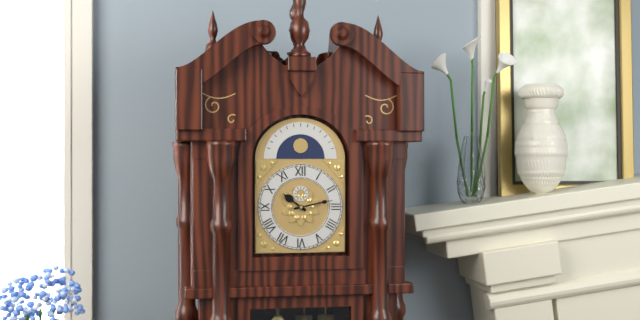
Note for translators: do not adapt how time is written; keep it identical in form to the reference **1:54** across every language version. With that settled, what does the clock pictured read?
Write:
**10:13**
